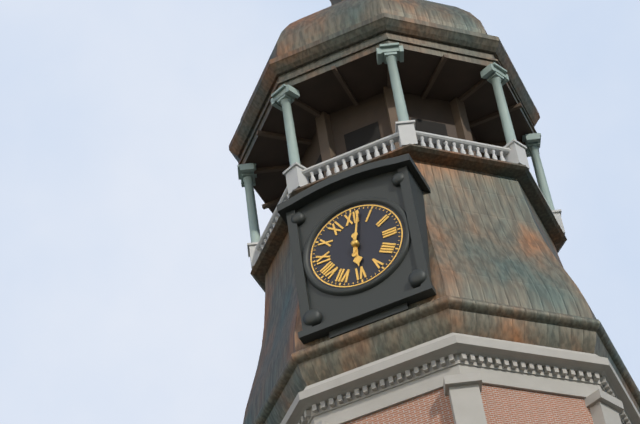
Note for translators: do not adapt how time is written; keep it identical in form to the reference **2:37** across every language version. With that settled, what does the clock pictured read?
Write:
**6:02**
